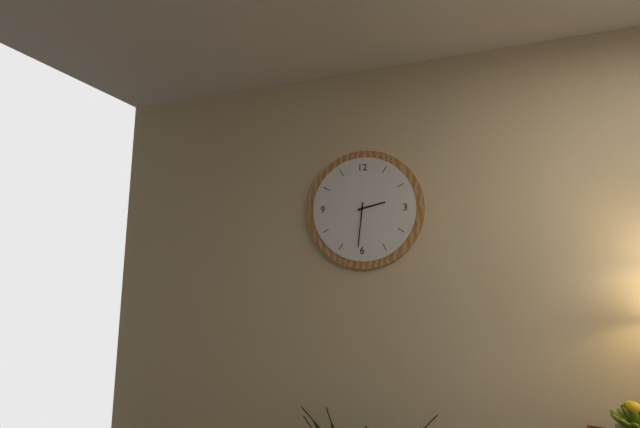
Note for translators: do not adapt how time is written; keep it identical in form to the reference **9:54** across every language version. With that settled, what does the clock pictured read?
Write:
**2:31**
